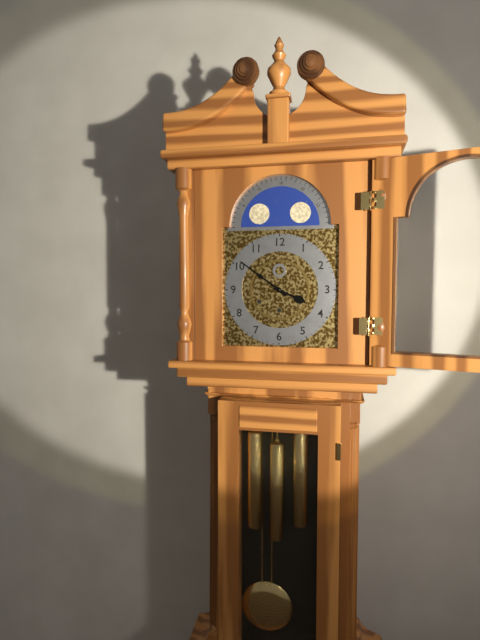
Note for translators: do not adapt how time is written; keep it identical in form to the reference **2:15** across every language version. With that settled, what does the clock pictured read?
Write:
**3:51**
